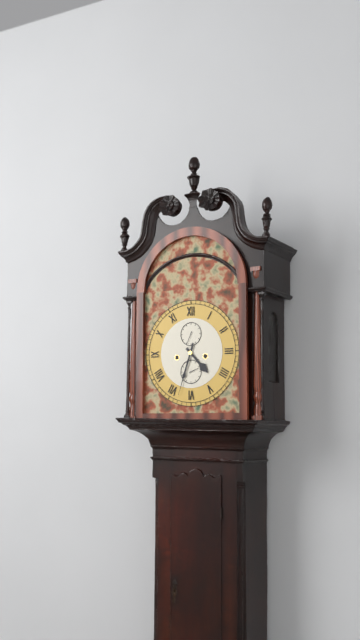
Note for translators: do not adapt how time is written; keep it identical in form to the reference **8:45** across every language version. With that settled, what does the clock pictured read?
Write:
**4:33**
